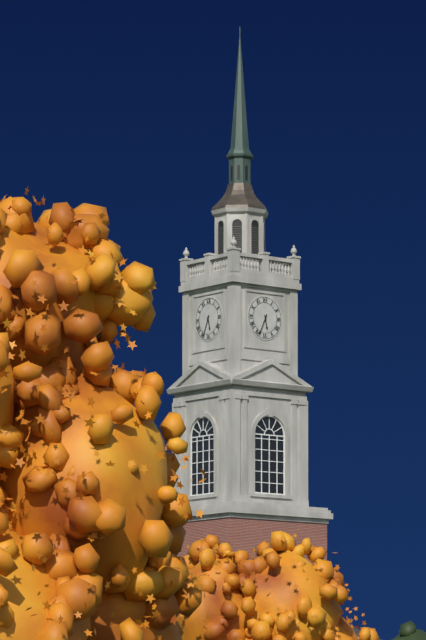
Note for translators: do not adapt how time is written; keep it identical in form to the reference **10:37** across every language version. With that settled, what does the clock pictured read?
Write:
**5:34**
